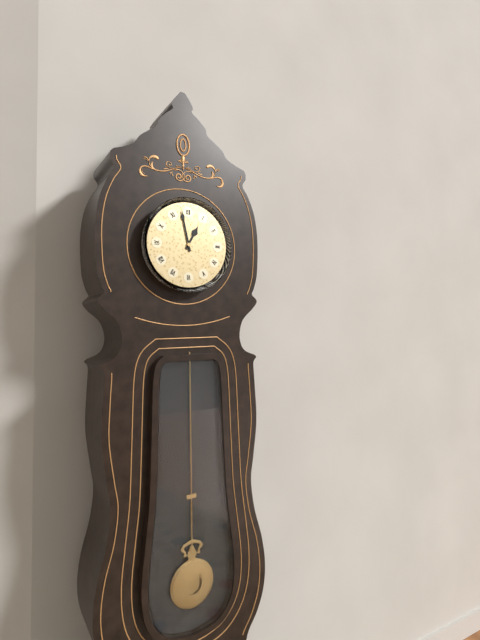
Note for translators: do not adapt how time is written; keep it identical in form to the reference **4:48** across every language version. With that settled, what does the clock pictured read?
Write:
**12:58**
